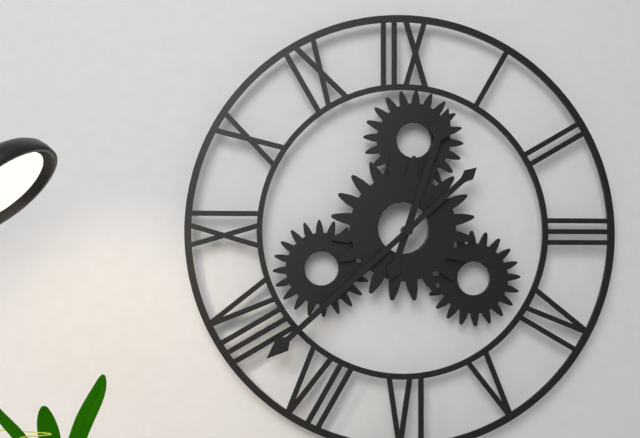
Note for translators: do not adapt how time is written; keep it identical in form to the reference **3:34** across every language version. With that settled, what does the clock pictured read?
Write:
**12:38**
